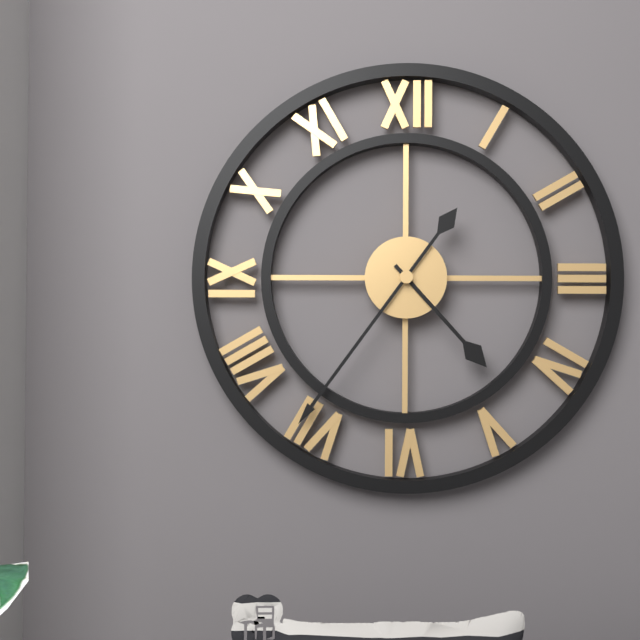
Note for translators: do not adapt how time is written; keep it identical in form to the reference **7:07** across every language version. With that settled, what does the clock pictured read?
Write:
**4:36**
